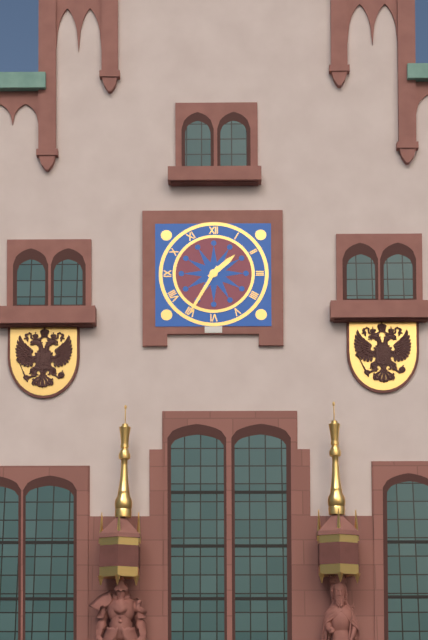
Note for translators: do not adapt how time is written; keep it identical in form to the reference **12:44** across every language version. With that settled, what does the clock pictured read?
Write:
**1:35**
